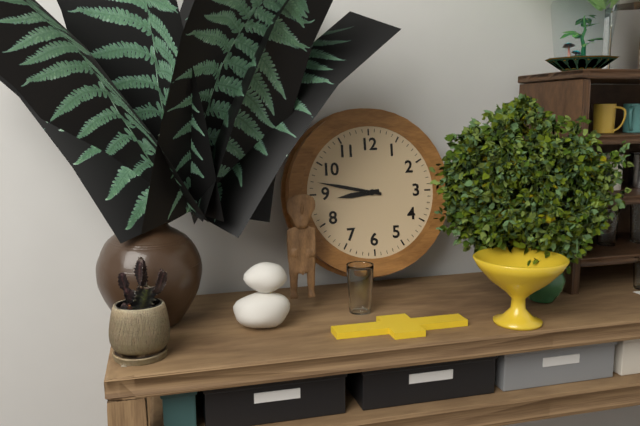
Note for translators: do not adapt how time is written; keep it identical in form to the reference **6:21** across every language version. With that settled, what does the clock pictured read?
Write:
**8:47**
